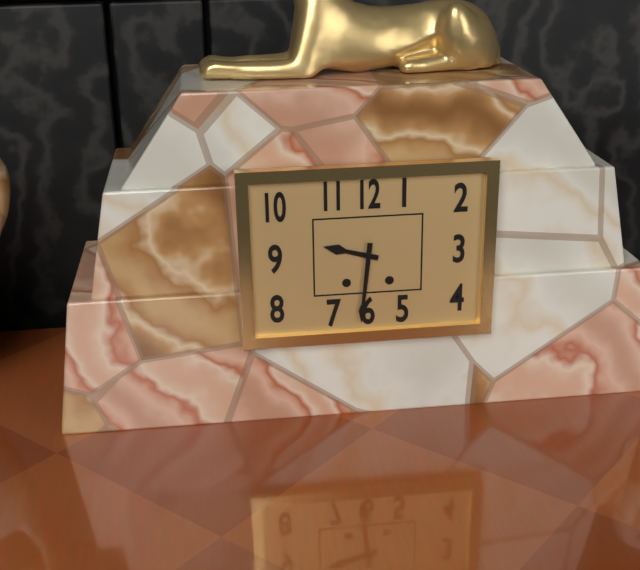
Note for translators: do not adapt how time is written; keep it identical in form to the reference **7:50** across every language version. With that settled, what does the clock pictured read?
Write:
**9:31**
